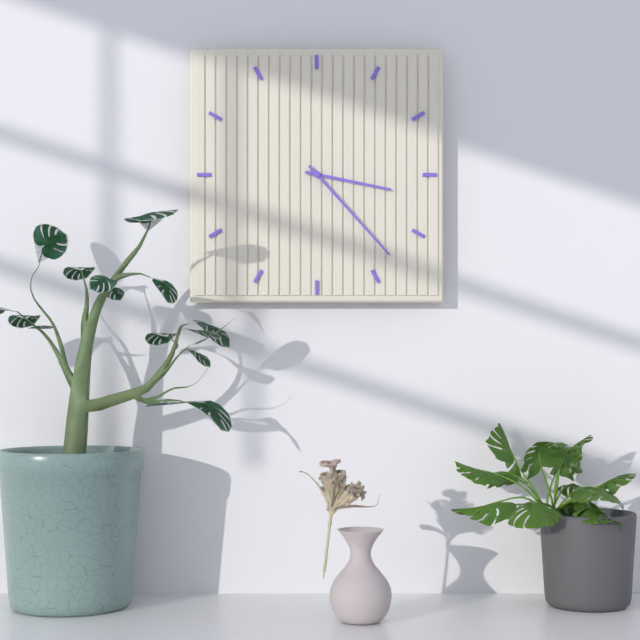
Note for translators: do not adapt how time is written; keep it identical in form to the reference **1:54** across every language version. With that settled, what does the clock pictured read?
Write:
**3:23**
